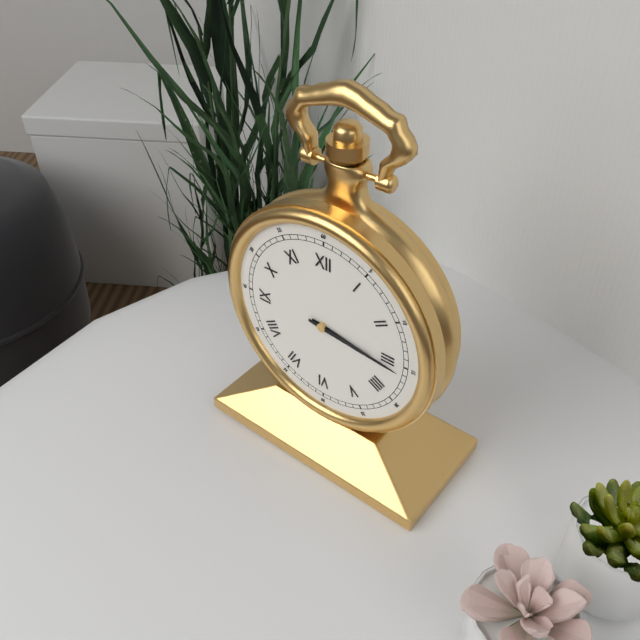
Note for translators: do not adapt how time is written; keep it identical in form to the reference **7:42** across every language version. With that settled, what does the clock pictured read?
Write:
**3:16**
